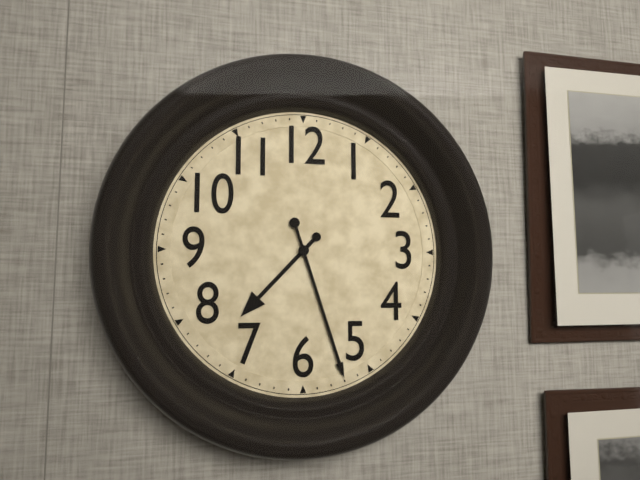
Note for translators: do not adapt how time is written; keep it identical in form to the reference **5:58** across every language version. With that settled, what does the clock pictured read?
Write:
**7:27**
